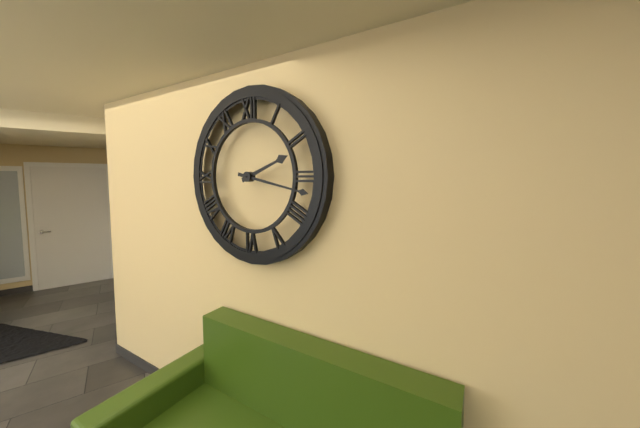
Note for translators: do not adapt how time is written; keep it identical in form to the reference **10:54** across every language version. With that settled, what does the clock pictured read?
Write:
**2:17**
